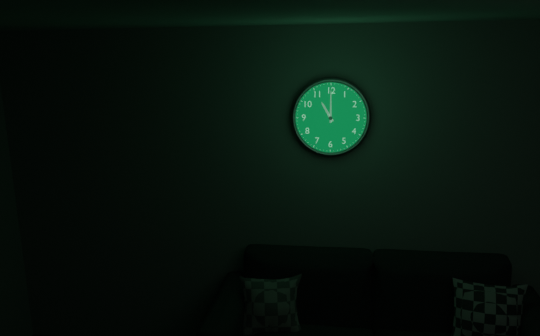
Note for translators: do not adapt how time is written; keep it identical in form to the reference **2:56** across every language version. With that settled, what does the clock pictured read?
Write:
**11:00**
